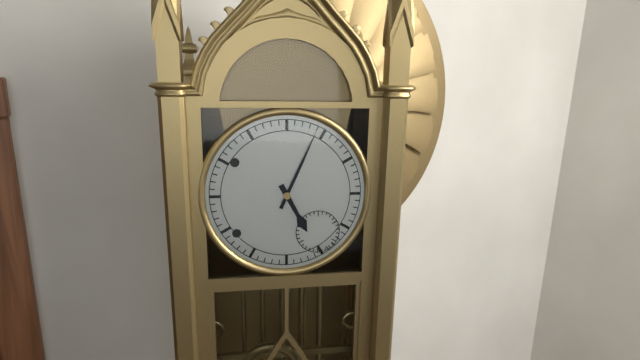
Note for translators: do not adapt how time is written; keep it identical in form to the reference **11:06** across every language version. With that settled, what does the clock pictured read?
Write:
**5:04**
